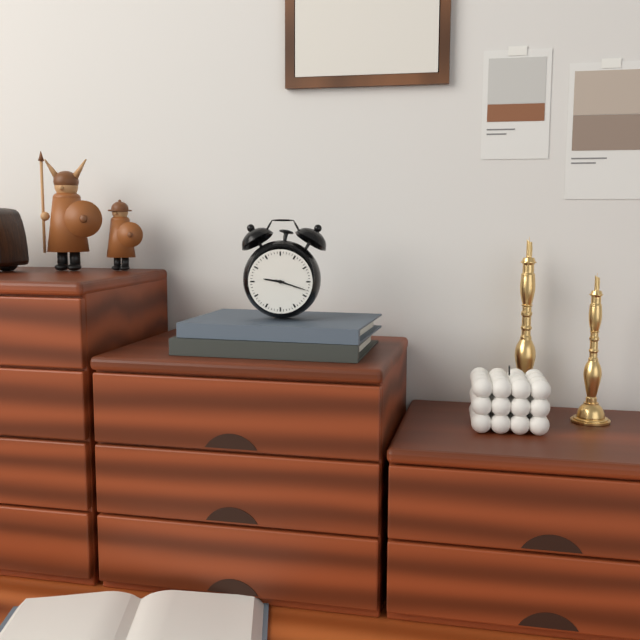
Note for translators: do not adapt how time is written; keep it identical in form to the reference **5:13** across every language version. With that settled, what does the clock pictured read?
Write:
**9:18**
